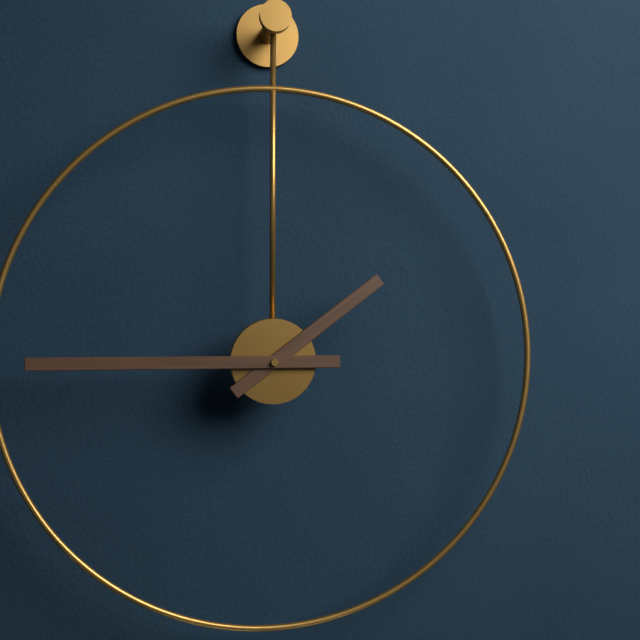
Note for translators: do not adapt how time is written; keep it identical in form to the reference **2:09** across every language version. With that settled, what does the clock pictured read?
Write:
**1:45**
